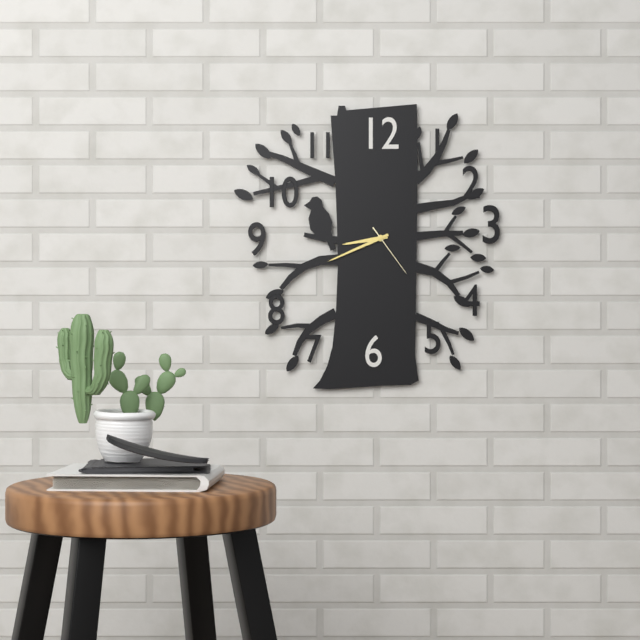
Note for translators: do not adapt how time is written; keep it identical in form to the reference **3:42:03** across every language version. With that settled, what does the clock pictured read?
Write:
**8:41:24**
